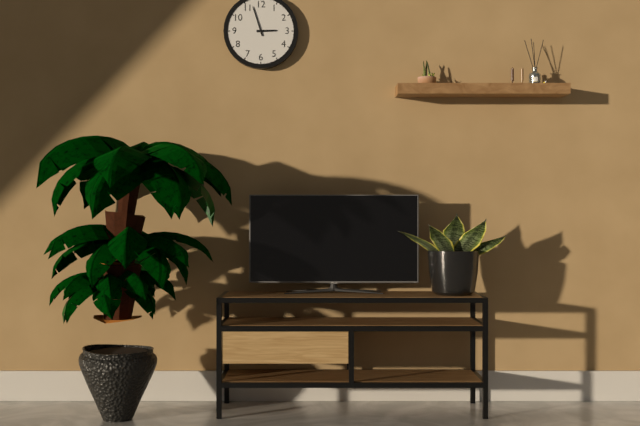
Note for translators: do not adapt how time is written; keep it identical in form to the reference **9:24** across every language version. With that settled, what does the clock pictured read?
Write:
**2:57**
